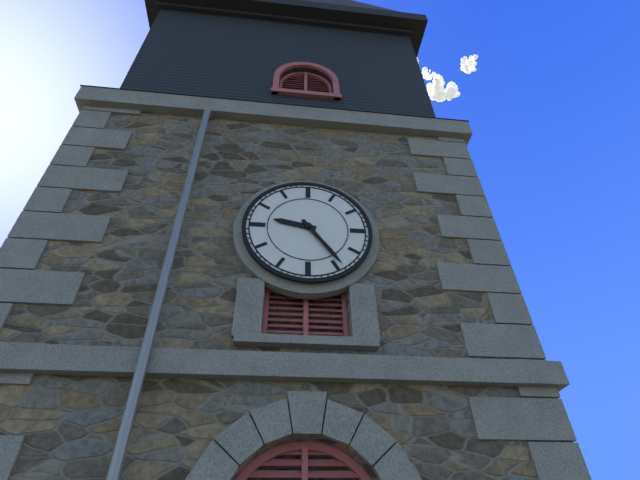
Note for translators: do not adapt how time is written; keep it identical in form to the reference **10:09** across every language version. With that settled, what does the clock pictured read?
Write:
**9:24**
